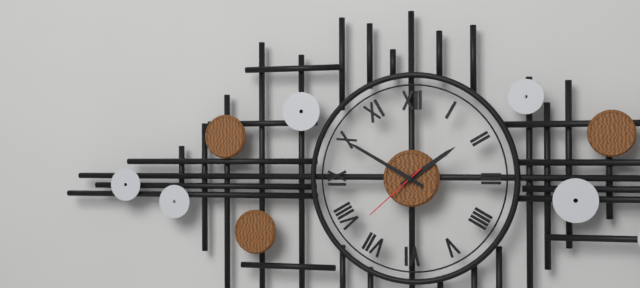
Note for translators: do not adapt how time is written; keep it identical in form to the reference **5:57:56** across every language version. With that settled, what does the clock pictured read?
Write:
**1:50:38**
